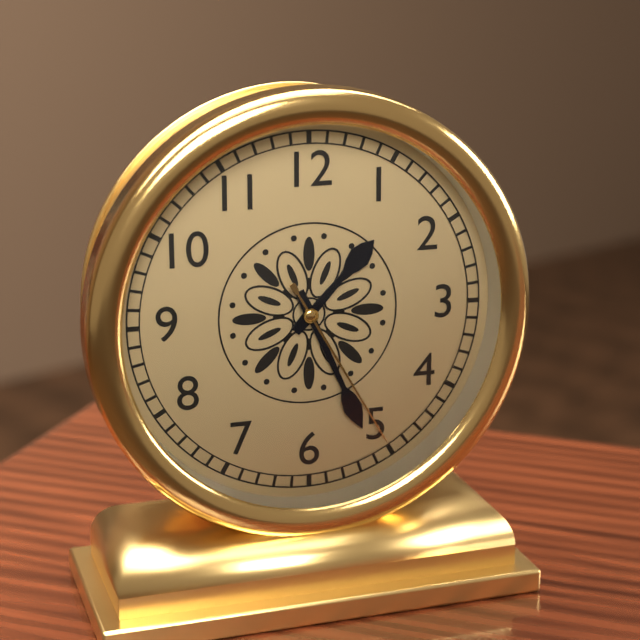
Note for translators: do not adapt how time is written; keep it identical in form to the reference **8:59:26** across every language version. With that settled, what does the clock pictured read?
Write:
**1:26:25**
